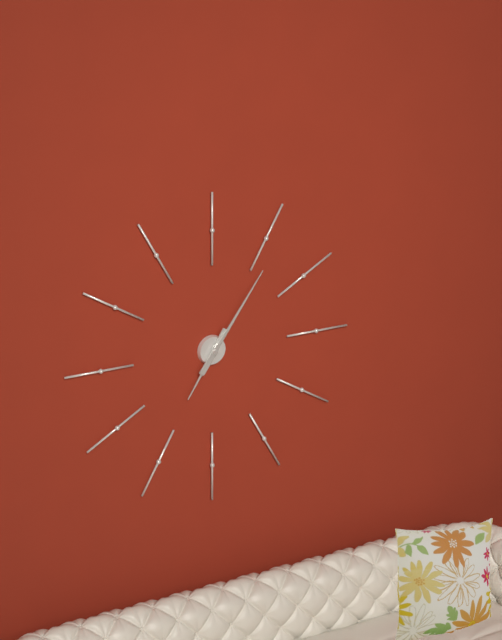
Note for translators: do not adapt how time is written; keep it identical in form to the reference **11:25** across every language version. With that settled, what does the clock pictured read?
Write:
**7:06**
